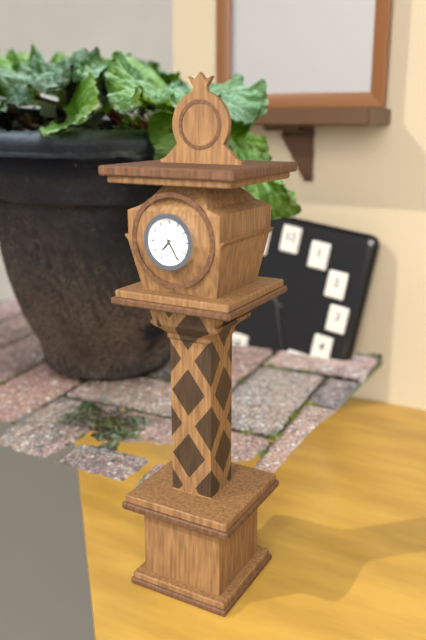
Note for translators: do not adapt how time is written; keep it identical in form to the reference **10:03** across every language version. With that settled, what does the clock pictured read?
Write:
**7:25**
